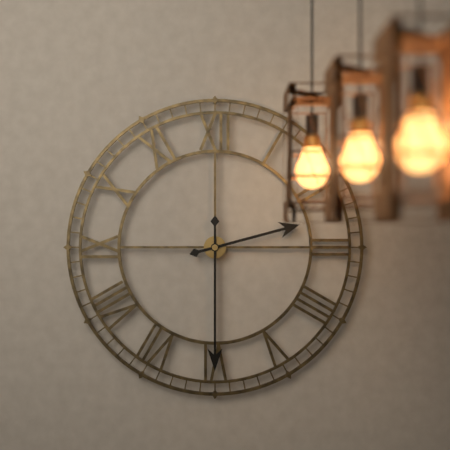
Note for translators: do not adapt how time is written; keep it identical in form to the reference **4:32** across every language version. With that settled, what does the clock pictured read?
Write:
**2:30**
